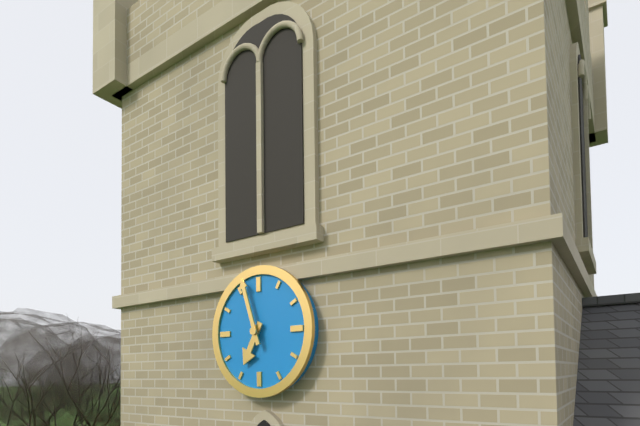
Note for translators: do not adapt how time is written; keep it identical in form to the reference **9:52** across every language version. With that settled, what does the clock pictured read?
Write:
**6:57**
